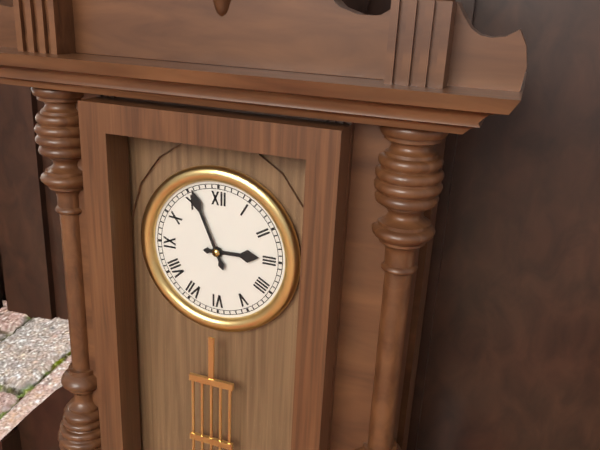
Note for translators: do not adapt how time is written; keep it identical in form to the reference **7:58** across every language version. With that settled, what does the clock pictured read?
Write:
**2:56**
